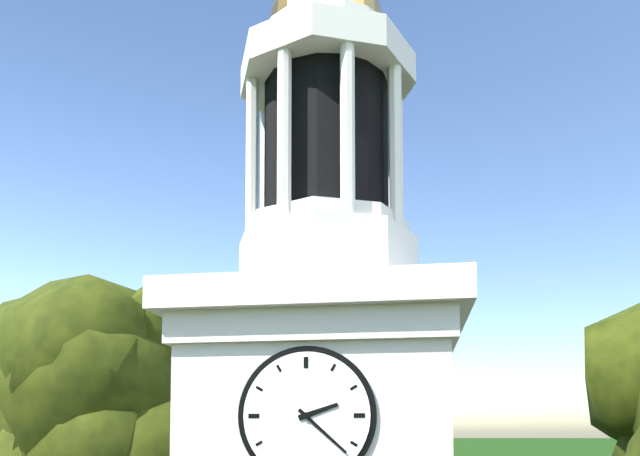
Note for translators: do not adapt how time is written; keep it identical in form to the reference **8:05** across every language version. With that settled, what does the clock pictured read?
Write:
**2:22**
